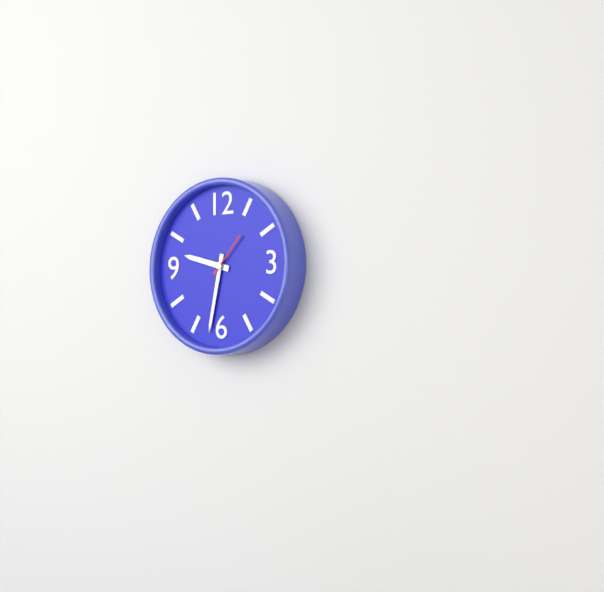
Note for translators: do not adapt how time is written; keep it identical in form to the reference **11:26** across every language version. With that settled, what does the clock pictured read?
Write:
**9:32**
